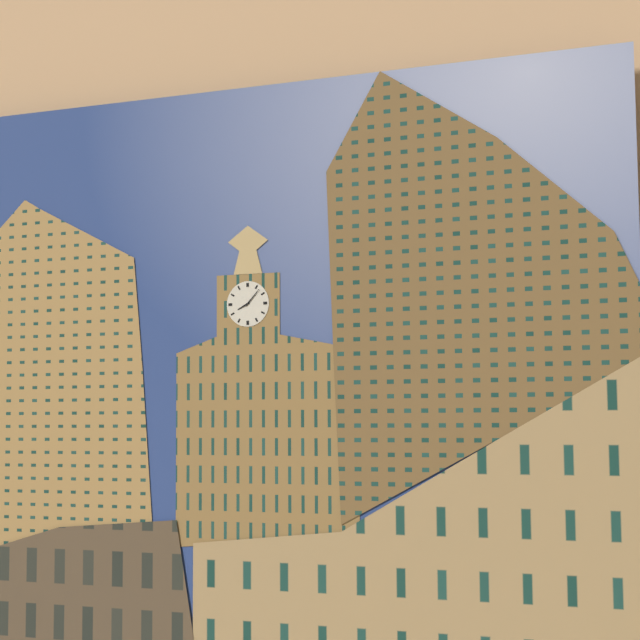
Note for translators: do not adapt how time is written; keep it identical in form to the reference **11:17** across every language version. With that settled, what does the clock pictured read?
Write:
**8:07**
